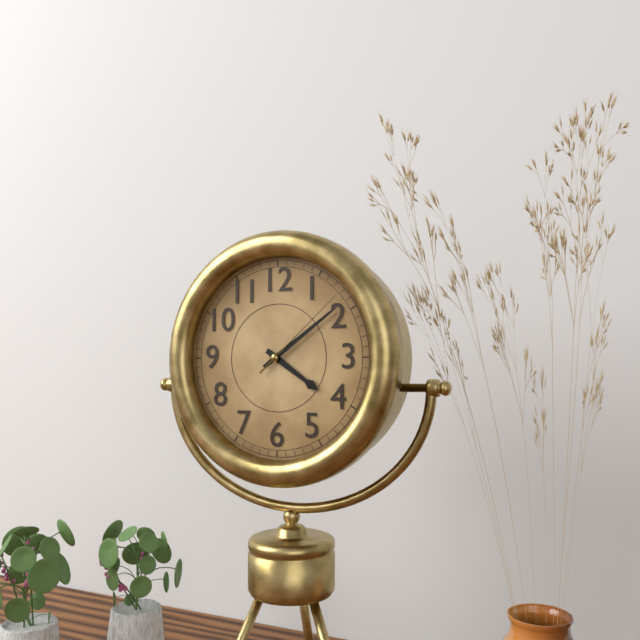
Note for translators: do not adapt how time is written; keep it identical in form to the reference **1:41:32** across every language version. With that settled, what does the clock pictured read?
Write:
**4:09:08**
